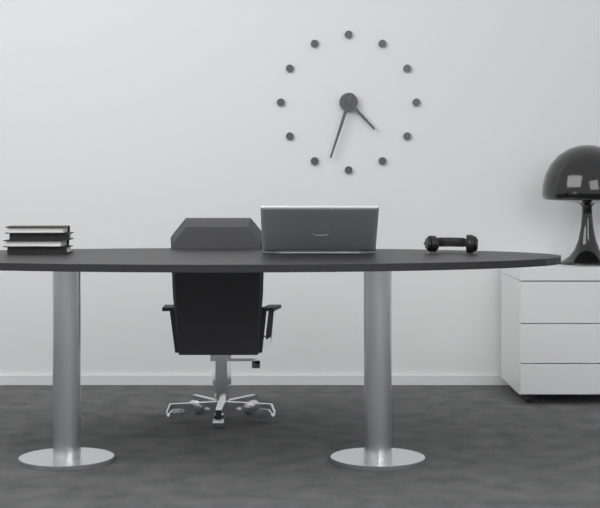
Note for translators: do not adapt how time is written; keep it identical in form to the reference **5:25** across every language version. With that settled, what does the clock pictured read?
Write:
**4:33**
